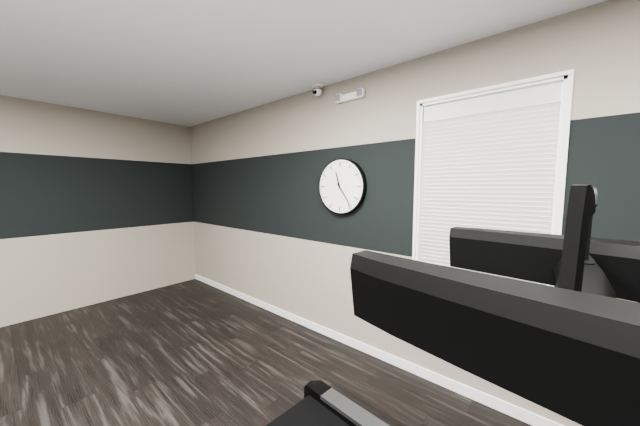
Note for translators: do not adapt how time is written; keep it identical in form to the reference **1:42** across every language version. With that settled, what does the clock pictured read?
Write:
**11:24**
